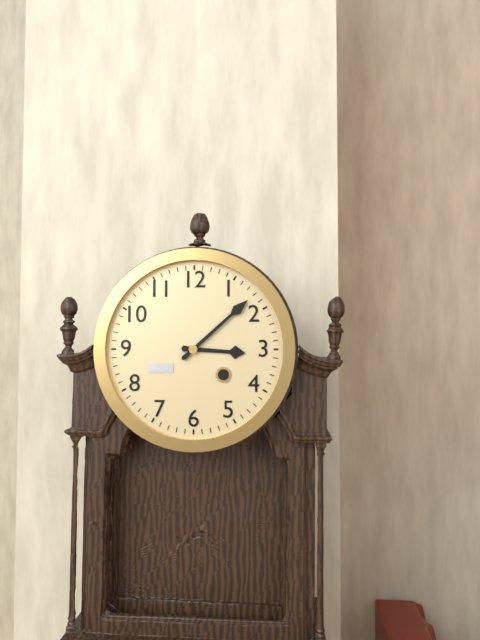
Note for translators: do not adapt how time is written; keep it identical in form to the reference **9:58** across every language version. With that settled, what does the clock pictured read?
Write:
**3:08**
